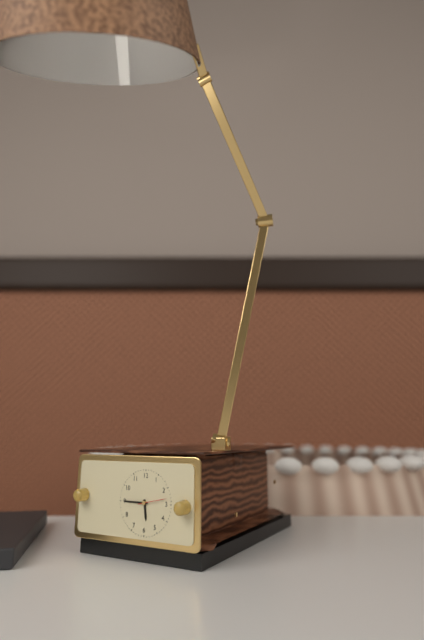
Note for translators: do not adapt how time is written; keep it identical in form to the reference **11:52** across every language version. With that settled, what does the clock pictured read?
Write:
**5:45**
